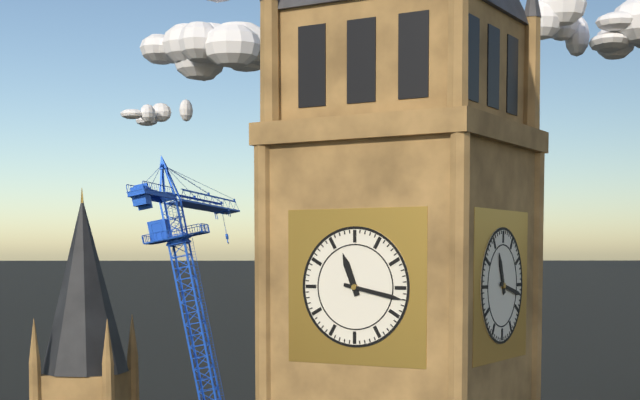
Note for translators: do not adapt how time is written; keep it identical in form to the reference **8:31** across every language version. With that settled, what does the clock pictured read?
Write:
**11:17**
